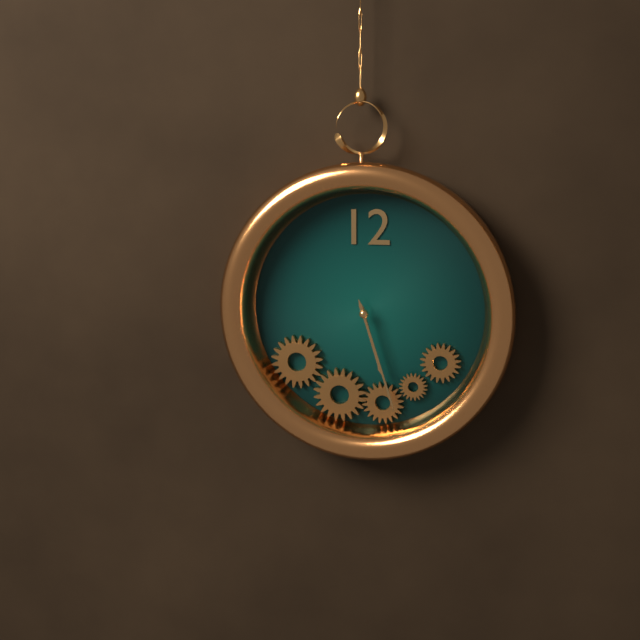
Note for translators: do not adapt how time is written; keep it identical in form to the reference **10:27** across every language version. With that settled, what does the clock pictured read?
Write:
**5:27**
